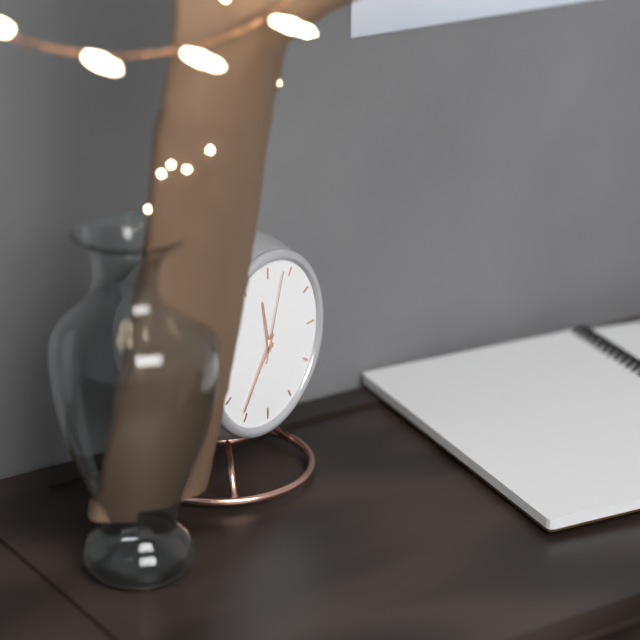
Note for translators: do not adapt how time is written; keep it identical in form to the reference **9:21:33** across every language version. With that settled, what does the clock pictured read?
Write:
**11:36:03**
